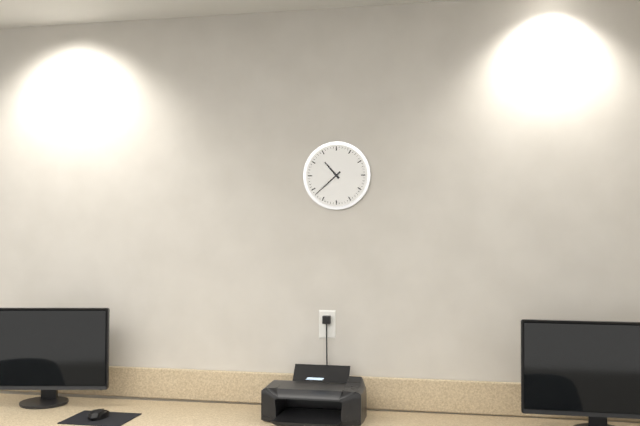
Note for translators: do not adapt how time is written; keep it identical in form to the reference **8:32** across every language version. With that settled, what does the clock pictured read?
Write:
**10:38**
